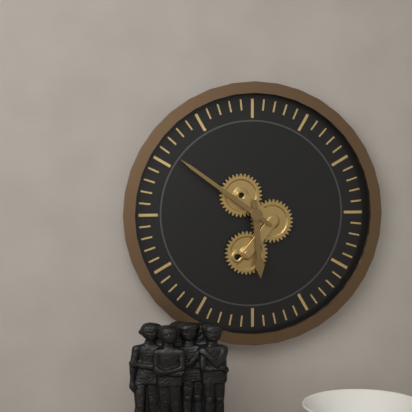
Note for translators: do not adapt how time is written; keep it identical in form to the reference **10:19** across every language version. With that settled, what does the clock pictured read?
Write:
**5:51**
